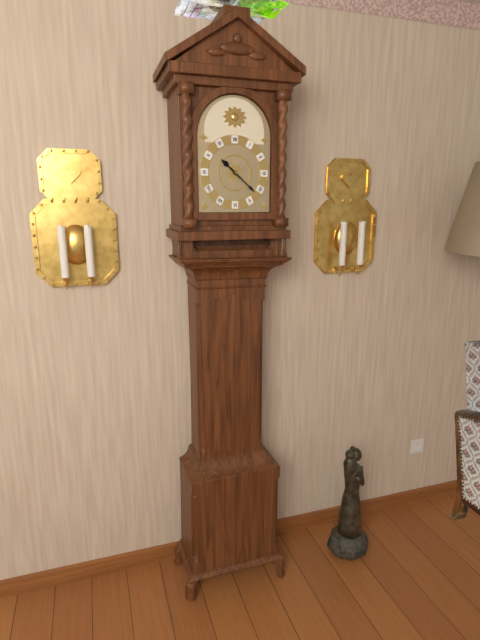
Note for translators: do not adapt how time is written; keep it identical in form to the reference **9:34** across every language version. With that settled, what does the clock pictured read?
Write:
**10:22**
